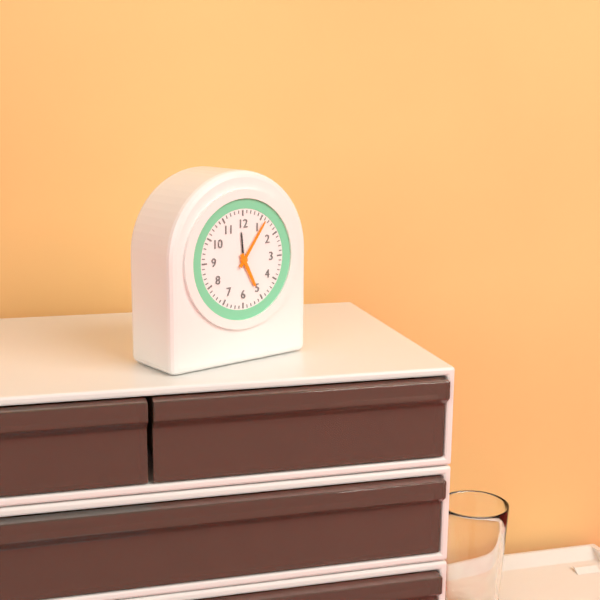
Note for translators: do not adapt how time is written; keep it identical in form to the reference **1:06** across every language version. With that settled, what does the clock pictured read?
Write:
**5:06**
